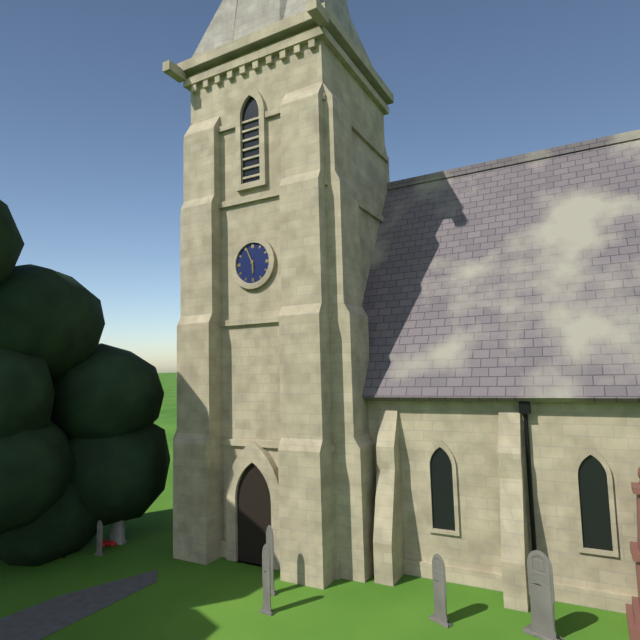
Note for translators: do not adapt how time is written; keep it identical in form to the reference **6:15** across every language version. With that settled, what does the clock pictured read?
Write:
**5:56**
